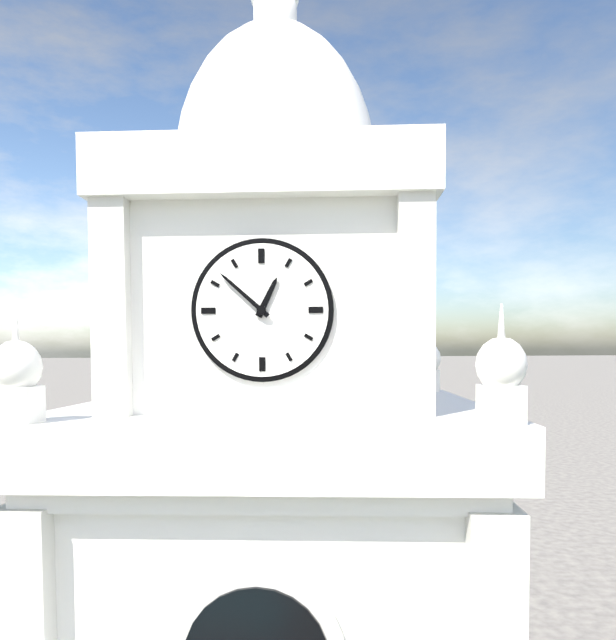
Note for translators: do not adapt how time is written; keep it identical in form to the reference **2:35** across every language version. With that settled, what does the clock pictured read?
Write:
**12:52**
